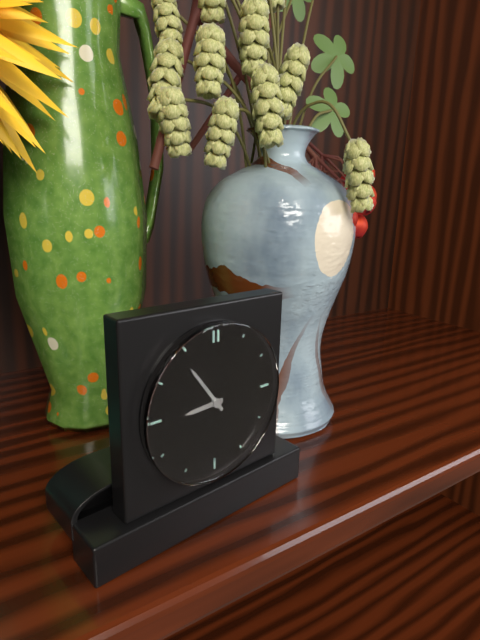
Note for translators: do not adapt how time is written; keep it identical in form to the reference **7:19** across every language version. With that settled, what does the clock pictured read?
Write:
**8:54**
